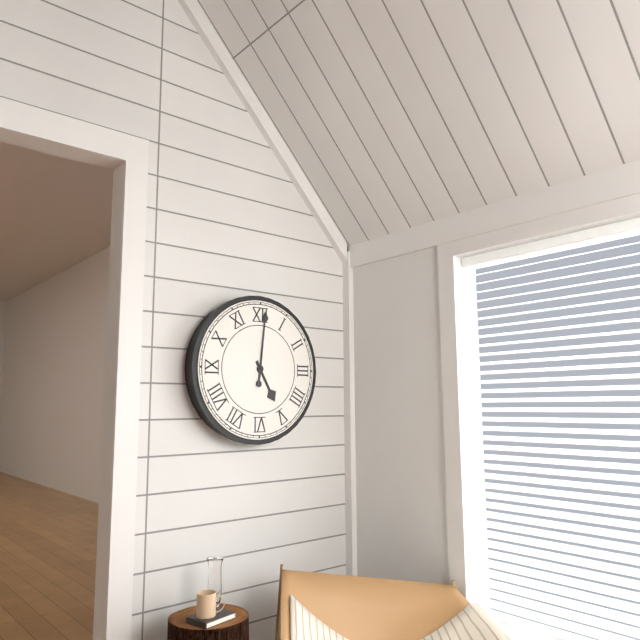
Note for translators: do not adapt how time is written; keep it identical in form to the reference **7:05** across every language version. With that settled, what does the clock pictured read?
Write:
**5:01**
